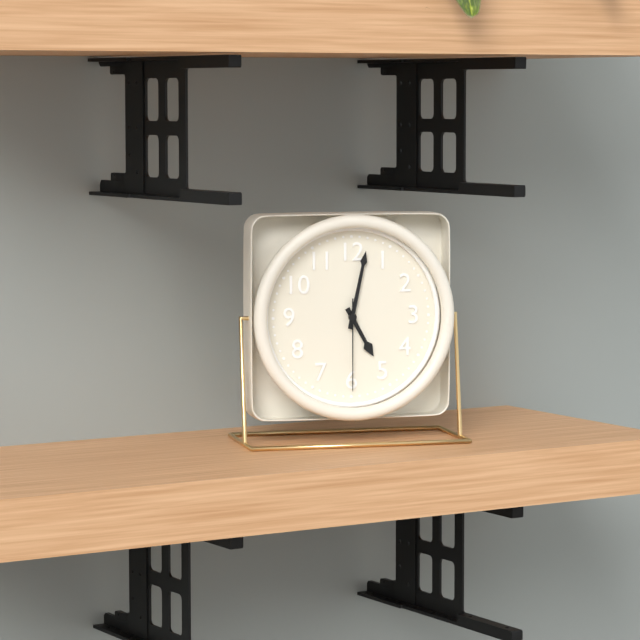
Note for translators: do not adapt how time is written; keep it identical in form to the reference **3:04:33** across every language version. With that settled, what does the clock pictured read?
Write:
**5:02:30**
